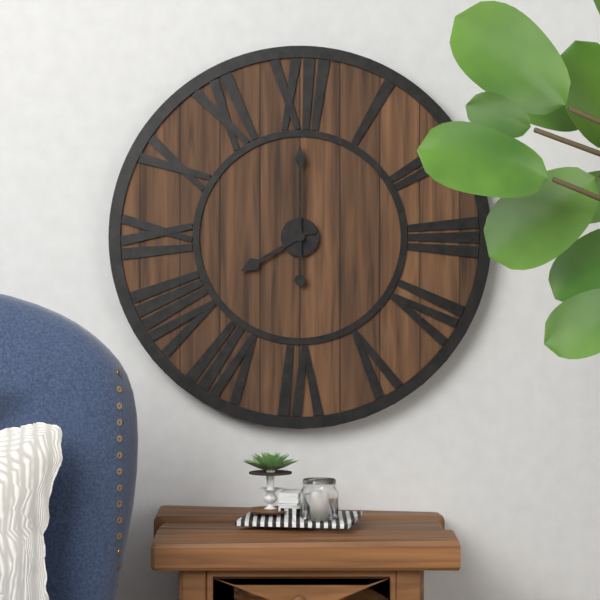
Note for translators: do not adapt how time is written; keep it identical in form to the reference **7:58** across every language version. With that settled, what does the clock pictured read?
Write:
**8:00**
